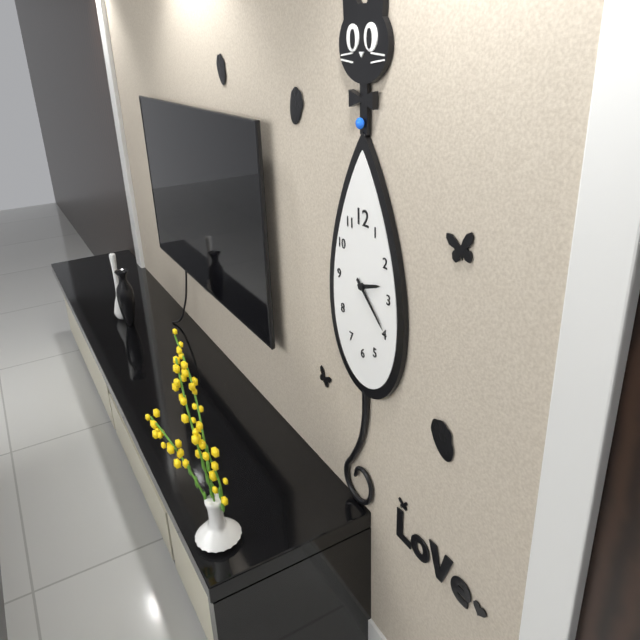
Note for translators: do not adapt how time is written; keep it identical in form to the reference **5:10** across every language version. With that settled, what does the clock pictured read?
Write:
**2:22**
